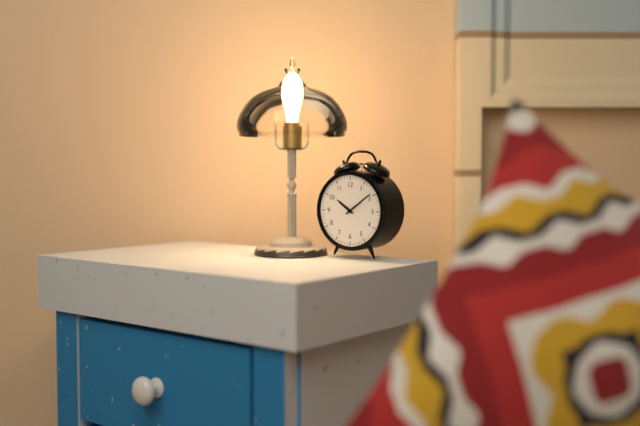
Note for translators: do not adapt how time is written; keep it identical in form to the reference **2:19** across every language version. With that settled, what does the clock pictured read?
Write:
**10:09**
